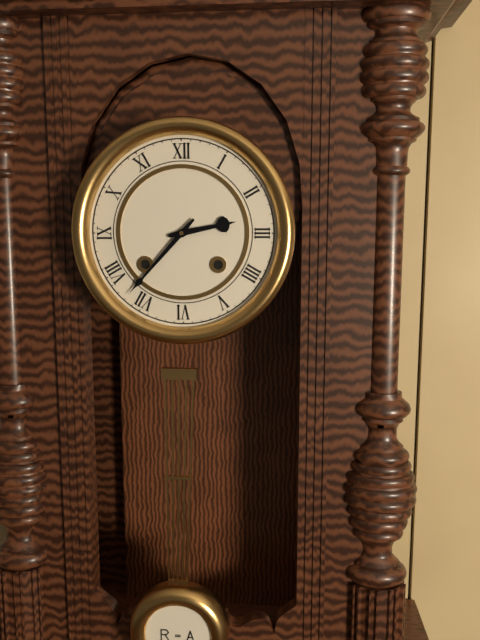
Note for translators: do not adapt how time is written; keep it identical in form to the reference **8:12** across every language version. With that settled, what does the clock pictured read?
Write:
**2:37**
